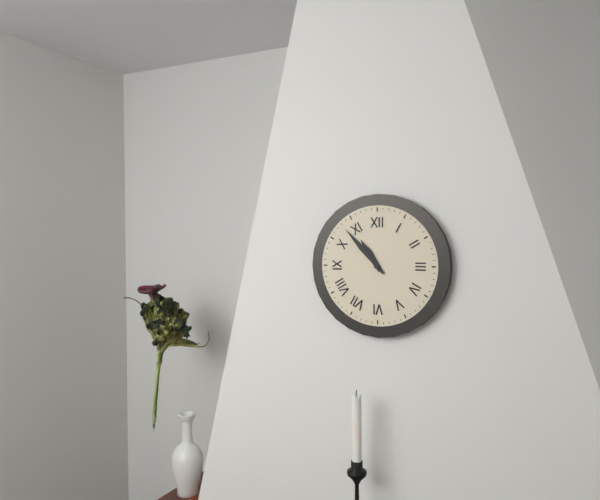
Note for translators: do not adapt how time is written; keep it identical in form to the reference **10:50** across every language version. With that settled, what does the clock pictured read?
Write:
**10:53**
